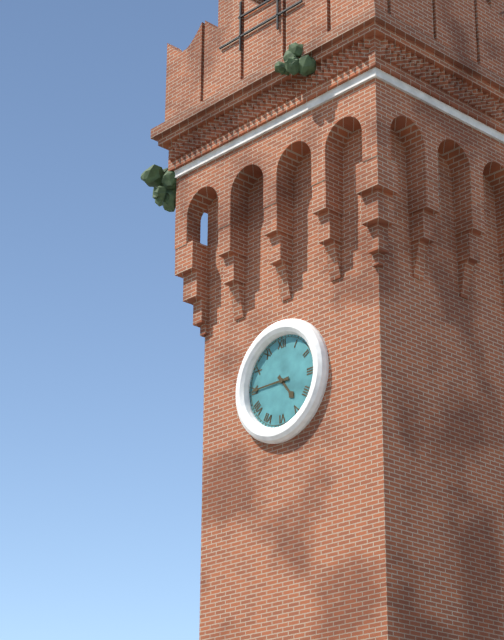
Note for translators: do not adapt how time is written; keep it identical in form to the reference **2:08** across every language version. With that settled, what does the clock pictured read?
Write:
**4:45**
